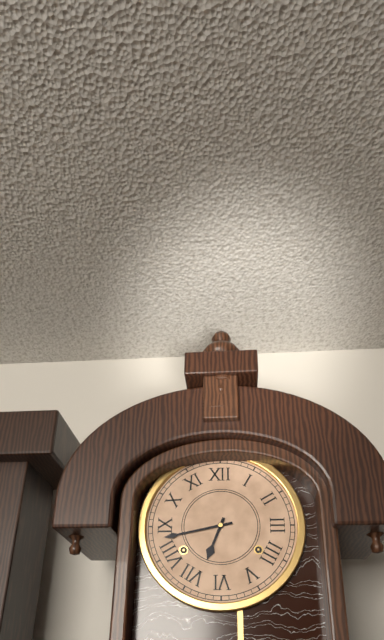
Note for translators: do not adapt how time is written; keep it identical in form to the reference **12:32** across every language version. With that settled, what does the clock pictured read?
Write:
**6:43**
